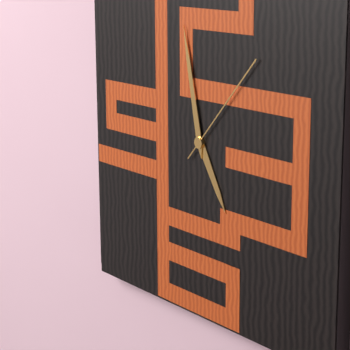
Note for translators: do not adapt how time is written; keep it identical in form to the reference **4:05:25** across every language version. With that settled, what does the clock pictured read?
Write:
**4:58:07**
